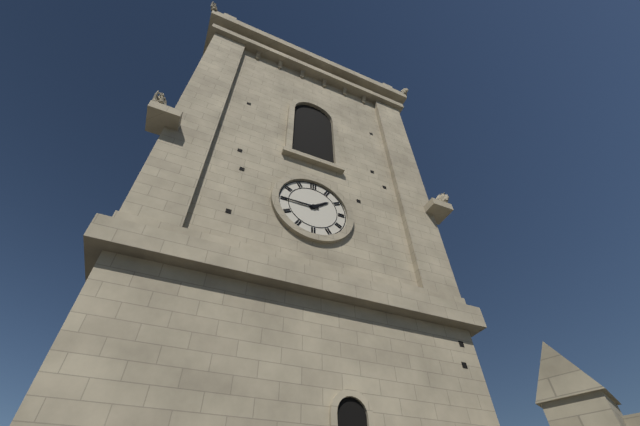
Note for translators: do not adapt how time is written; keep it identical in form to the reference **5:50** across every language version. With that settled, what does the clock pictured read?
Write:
**1:45**
